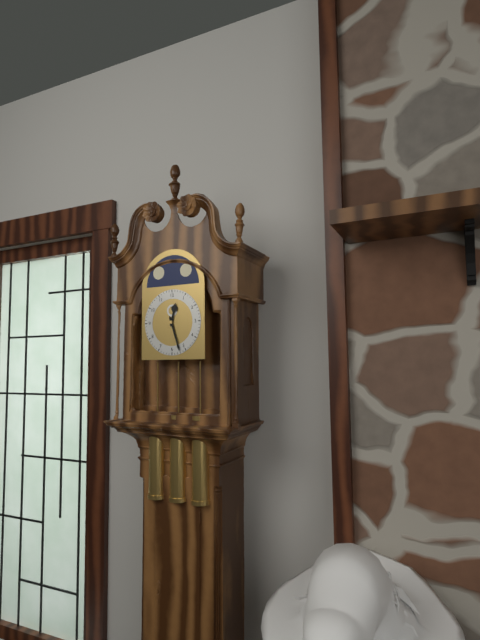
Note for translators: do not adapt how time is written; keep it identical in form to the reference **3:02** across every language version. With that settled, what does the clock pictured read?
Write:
**12:27**
